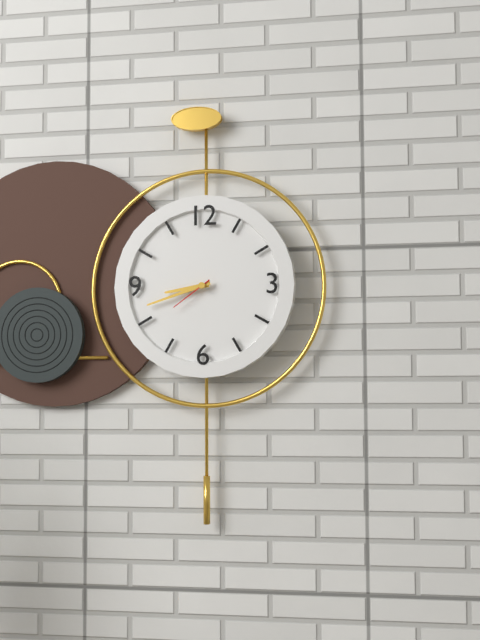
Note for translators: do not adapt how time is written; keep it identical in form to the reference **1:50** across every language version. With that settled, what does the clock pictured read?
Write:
**8:42**
